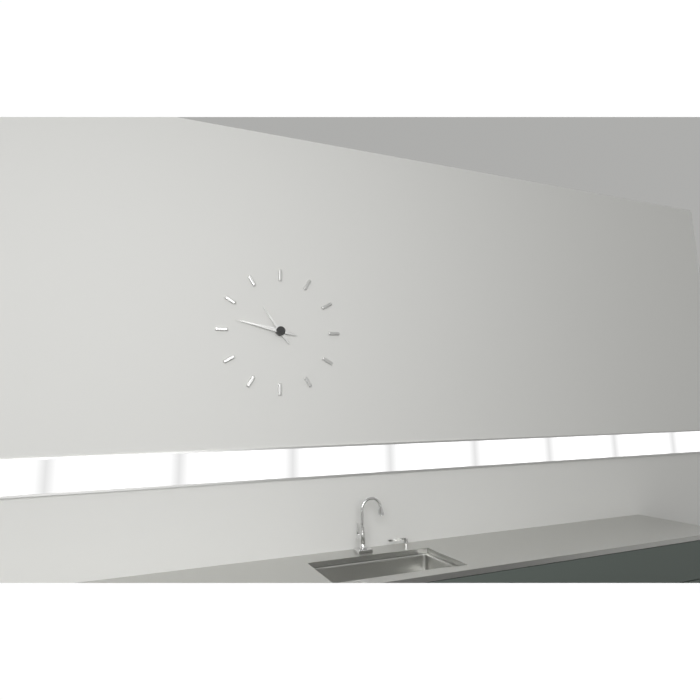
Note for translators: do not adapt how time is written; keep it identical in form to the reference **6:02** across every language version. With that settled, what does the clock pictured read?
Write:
**10:47**
